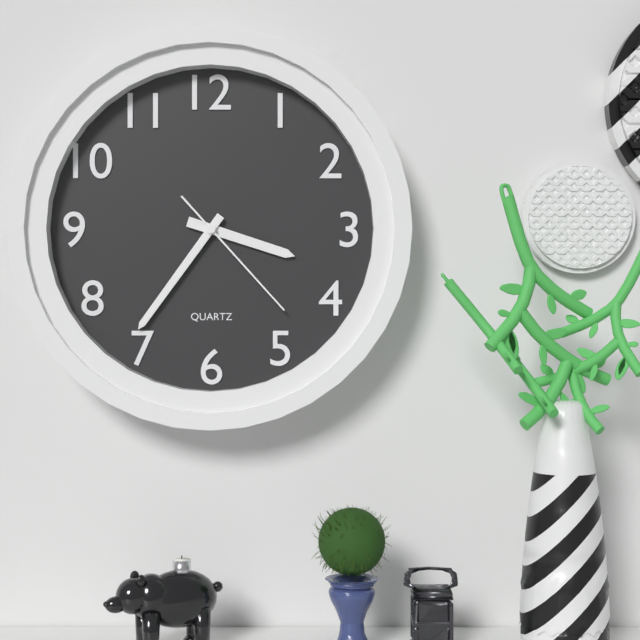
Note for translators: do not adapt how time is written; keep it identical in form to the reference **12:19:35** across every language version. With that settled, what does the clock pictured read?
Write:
**3:36:23**
